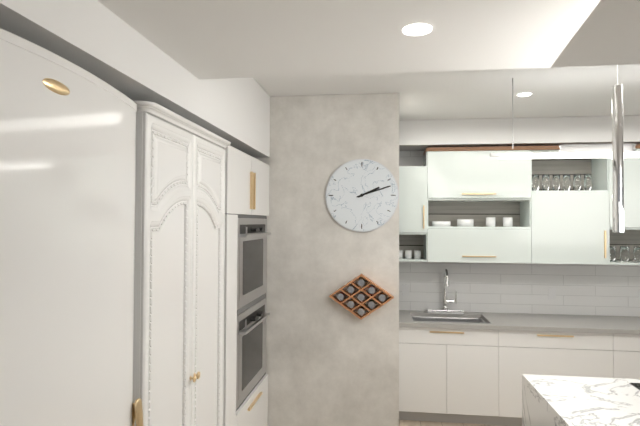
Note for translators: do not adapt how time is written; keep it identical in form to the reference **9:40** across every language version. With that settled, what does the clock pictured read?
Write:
**2:12**
